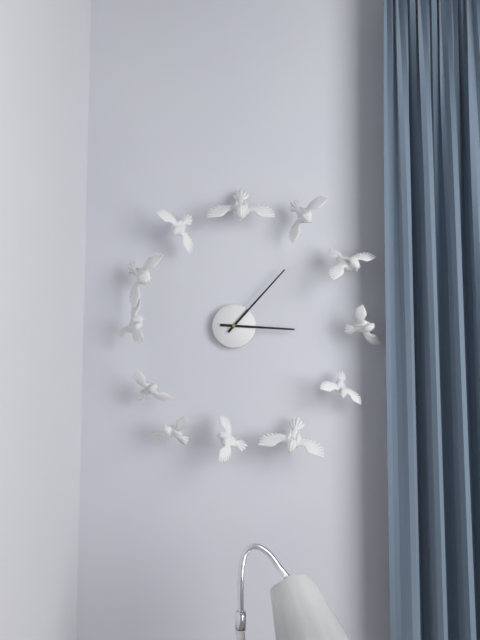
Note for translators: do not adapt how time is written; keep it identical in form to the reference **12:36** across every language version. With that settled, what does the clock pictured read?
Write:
**3:07**
